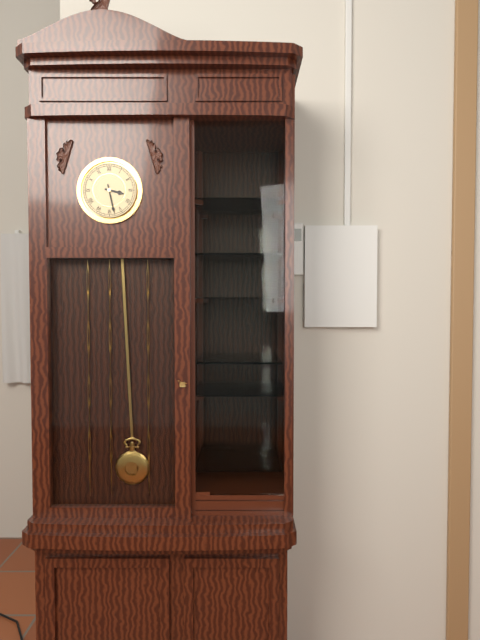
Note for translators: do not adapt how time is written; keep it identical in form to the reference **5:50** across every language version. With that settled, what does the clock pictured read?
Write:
**3:28**
